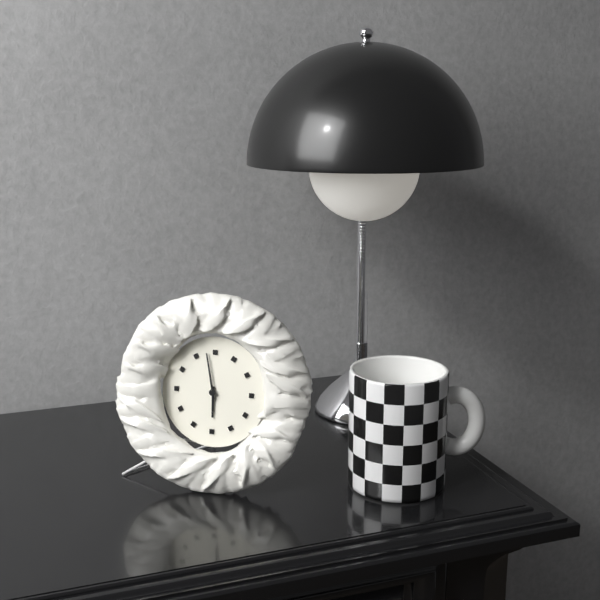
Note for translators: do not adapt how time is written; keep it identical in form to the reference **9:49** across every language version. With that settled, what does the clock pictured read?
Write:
**5:58**
